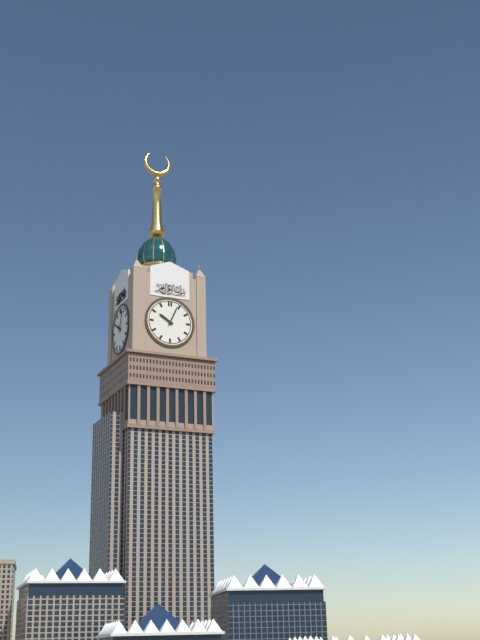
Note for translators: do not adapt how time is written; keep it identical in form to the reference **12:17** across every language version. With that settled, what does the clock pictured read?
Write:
**10:04**
